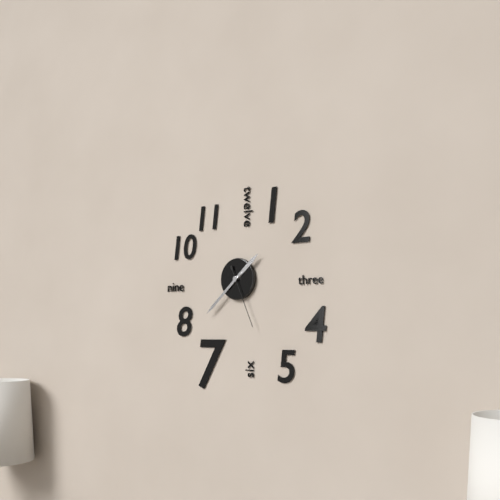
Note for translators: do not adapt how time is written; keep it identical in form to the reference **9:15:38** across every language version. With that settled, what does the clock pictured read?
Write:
**1:38:26**
